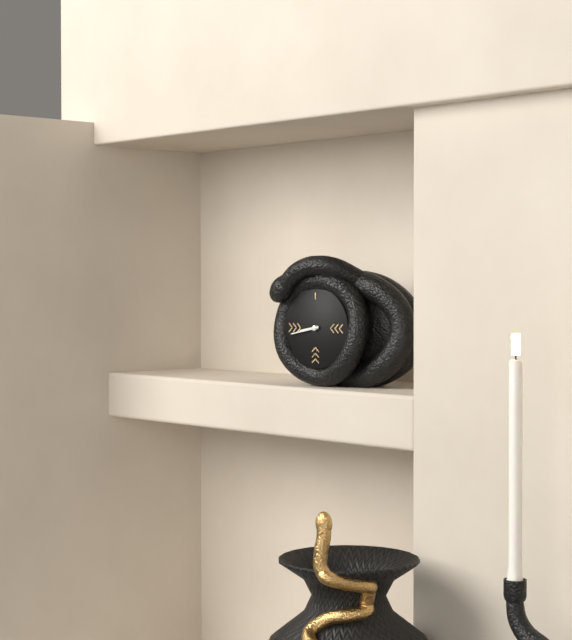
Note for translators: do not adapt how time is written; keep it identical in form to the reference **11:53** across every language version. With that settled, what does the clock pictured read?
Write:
**8:43**
